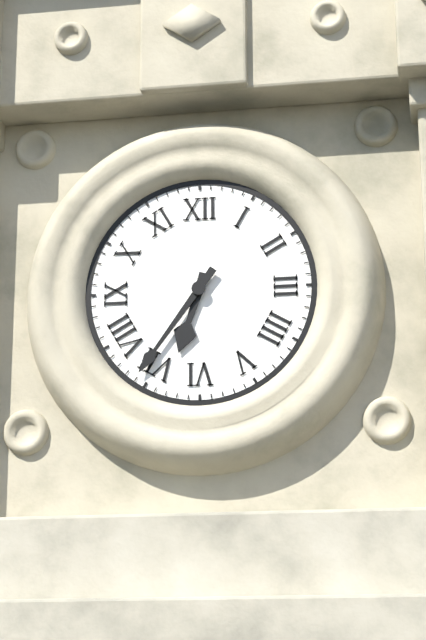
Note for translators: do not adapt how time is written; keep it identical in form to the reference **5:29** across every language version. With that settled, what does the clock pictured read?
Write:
**6:36**
